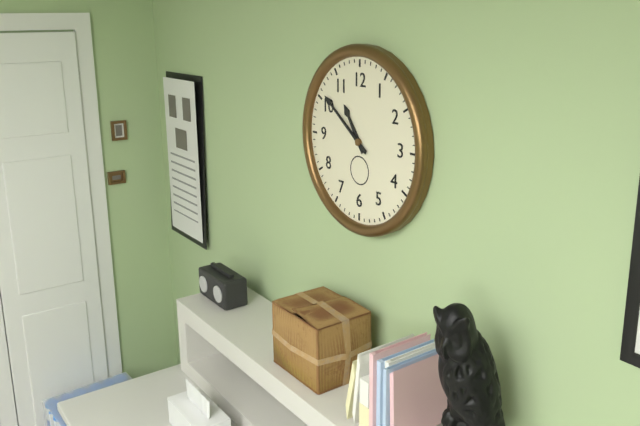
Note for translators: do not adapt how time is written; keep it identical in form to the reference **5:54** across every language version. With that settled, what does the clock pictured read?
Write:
**10:51**
